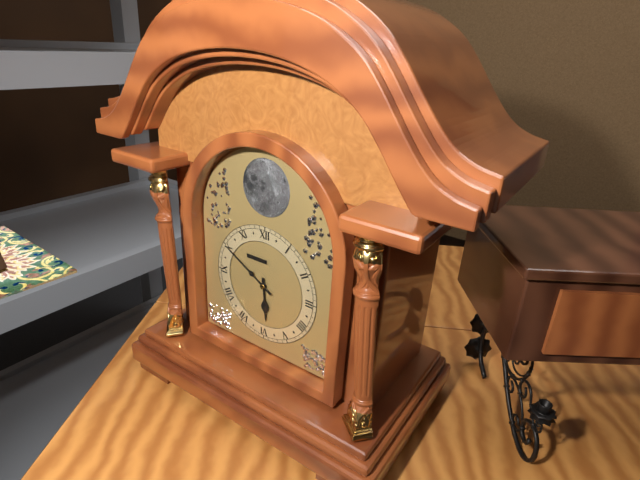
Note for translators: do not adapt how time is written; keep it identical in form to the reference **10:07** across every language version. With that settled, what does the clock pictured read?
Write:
**5:50**
